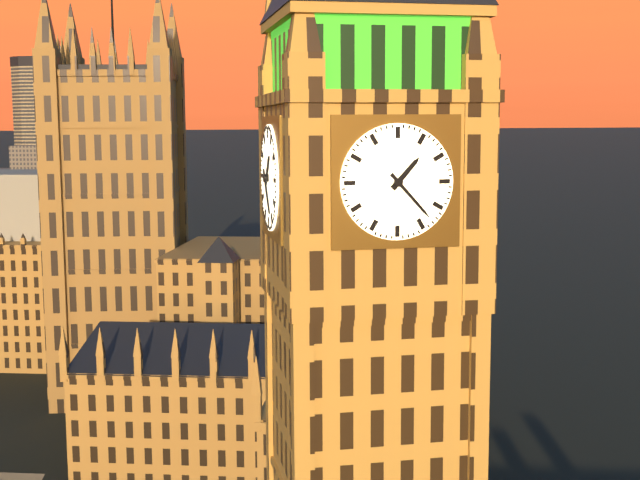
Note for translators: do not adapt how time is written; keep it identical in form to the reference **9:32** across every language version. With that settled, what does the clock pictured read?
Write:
**1:23**
